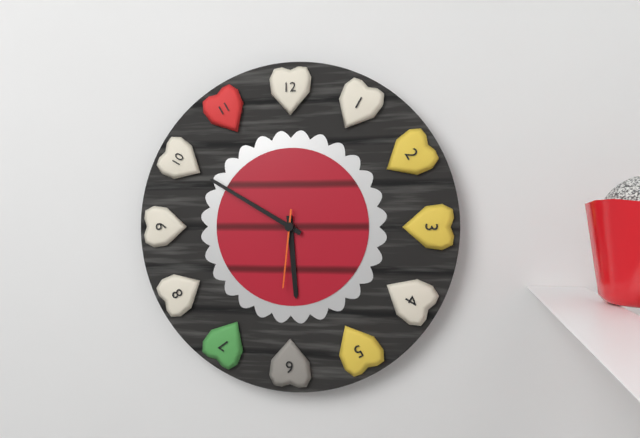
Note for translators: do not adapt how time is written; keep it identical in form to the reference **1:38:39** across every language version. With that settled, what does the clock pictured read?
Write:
**5:50:31**
